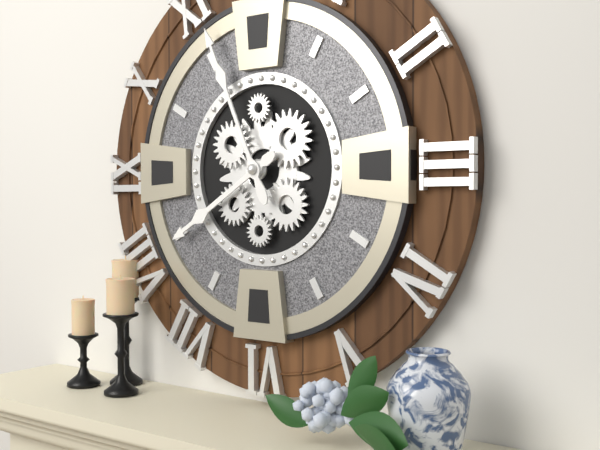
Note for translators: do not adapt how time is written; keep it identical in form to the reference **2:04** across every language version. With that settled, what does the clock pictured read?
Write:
**7:56**
